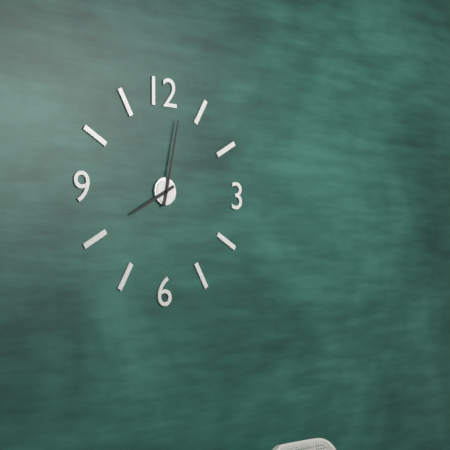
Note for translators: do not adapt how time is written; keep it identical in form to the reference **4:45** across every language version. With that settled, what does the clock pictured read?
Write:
**8:02**
